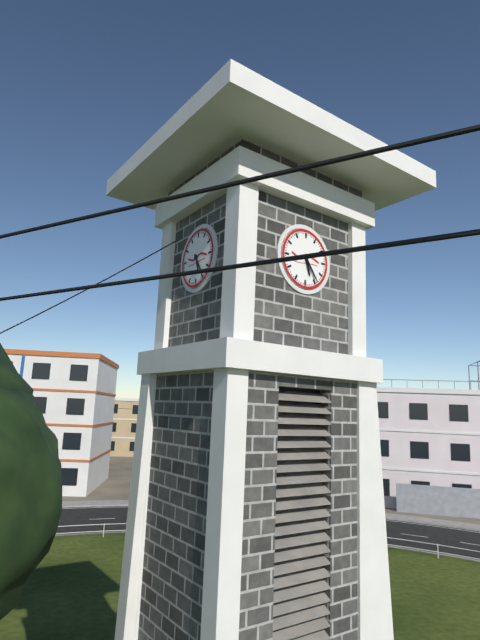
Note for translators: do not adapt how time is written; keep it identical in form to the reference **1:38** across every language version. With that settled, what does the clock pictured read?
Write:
**5:24**
